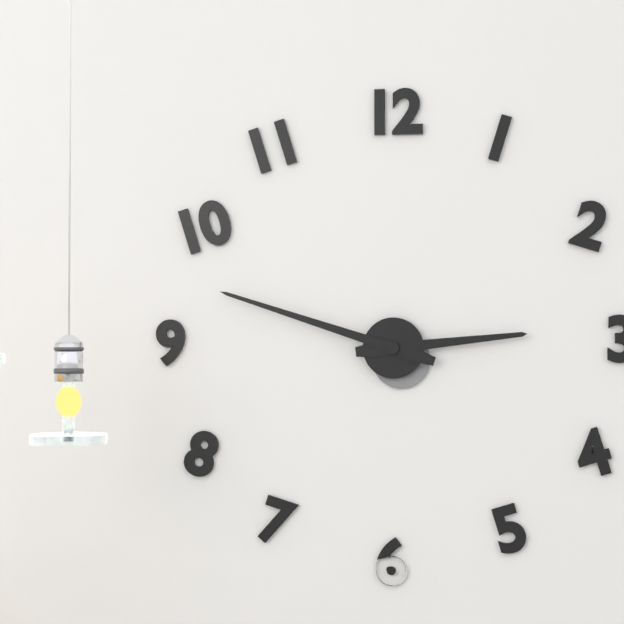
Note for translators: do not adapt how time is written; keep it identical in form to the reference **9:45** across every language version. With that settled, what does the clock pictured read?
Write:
**2:48**
